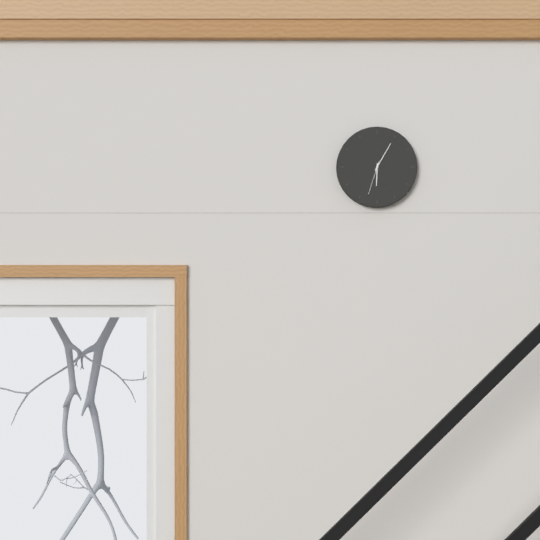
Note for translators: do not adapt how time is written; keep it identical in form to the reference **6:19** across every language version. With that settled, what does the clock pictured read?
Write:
**6:05**
